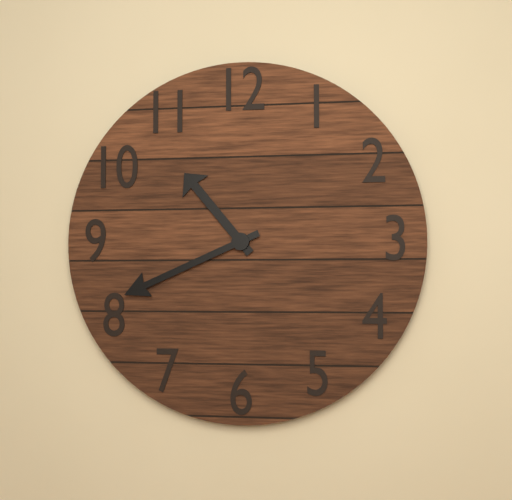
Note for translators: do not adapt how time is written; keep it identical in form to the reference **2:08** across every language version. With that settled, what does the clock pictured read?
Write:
**10:41**
